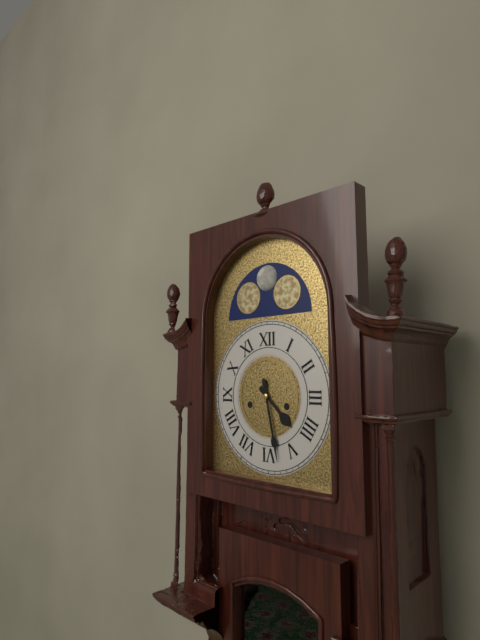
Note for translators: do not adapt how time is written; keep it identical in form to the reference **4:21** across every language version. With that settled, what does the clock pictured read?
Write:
**4:28**
